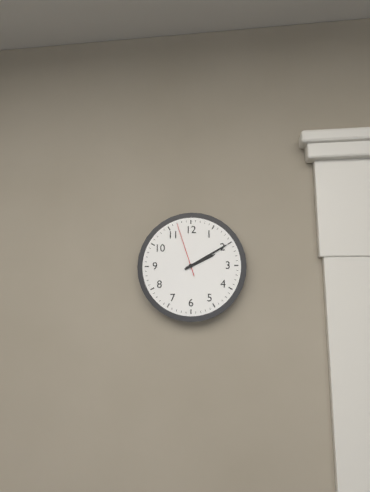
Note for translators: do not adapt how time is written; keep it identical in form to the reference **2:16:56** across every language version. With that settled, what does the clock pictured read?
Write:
**2:10:57**
